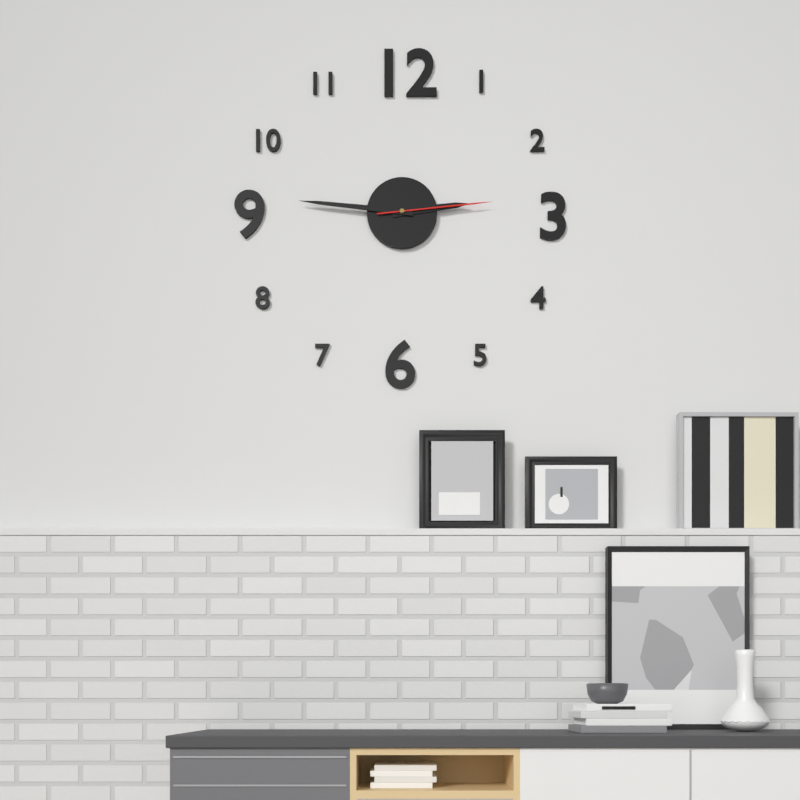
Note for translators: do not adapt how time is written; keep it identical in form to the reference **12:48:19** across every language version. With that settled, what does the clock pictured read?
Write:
**2:46:14**
